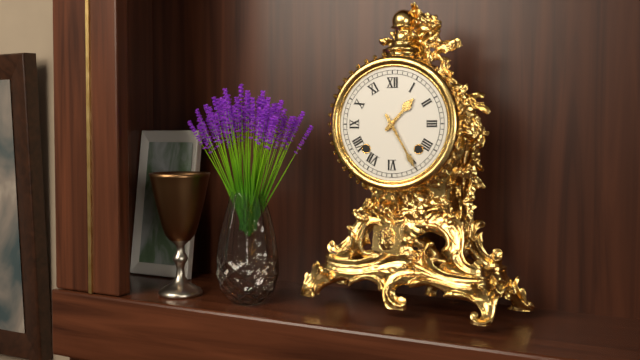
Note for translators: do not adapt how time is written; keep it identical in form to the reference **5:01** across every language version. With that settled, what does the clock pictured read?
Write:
**1:25**
